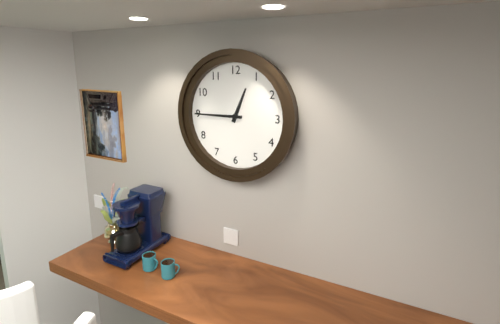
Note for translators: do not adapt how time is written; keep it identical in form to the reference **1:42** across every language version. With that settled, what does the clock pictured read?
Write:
**12:45**
